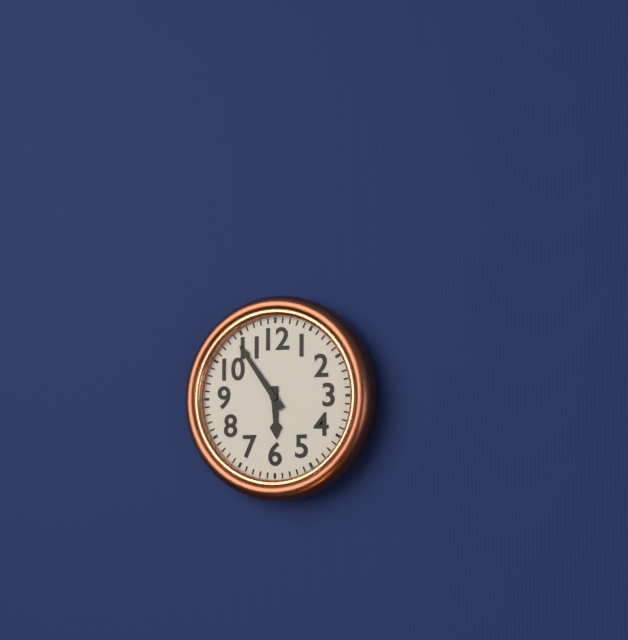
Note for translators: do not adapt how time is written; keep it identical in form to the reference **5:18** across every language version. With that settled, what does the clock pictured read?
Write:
**5:54**
